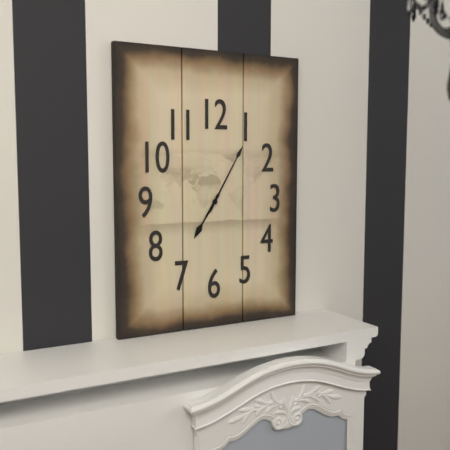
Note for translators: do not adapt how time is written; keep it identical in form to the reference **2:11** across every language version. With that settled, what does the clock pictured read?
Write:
**7:05**
